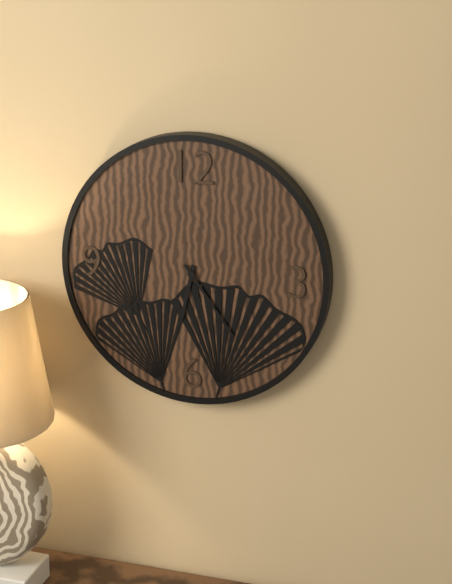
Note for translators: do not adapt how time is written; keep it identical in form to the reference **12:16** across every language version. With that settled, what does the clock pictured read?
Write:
**6:24**
